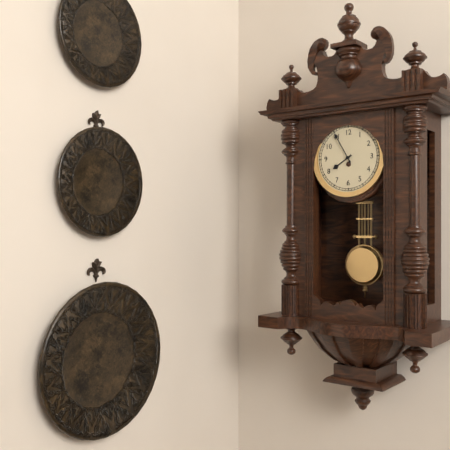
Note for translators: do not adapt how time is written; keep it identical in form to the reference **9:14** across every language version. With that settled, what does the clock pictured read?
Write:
**7:55**
